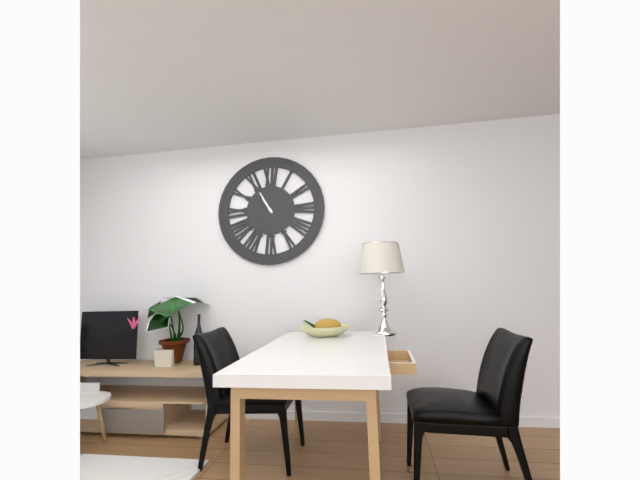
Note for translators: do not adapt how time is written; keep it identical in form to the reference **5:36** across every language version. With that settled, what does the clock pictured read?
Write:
**10:55**
